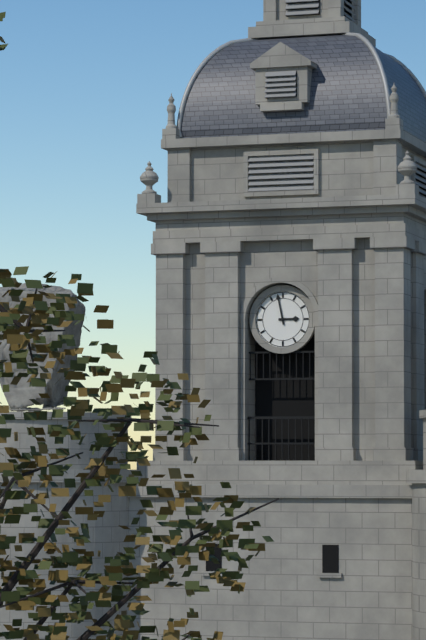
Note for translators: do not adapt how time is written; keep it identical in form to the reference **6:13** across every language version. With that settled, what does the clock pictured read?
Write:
**2:58**
